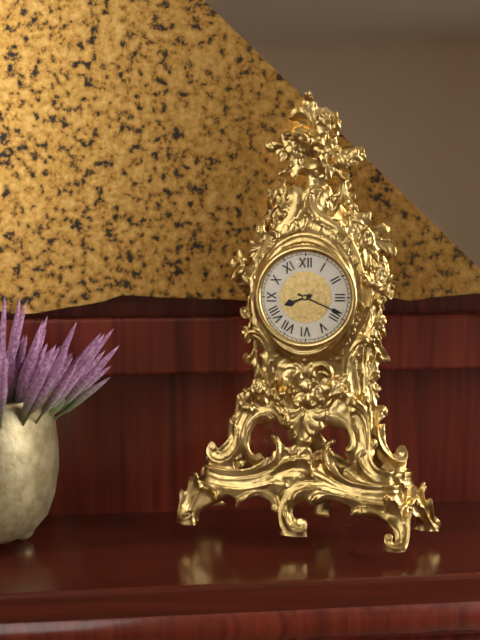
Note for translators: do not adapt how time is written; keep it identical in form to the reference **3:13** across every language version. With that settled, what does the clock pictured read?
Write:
**8:19**
